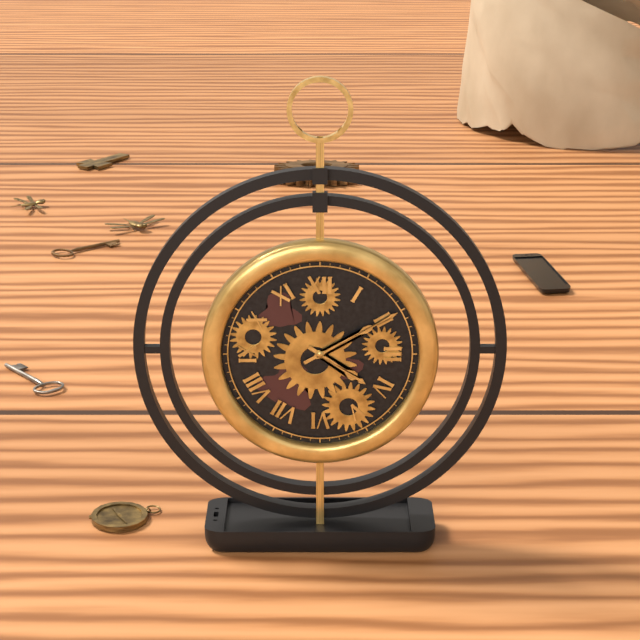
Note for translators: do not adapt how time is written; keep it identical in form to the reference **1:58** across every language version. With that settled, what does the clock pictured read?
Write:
**4:10**
